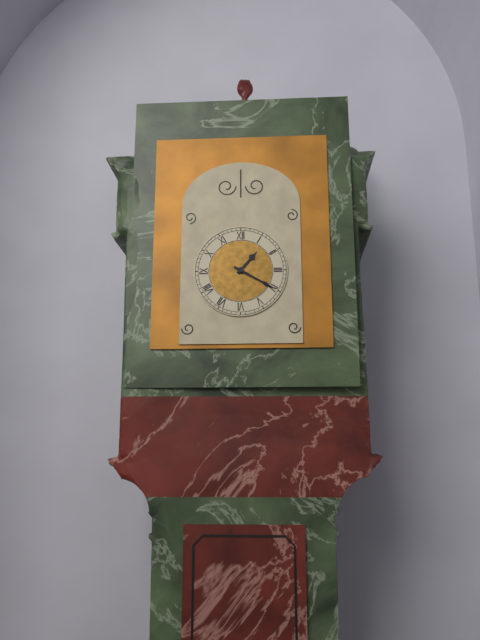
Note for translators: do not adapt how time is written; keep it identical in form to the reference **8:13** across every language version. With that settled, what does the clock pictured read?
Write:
**1:20**
